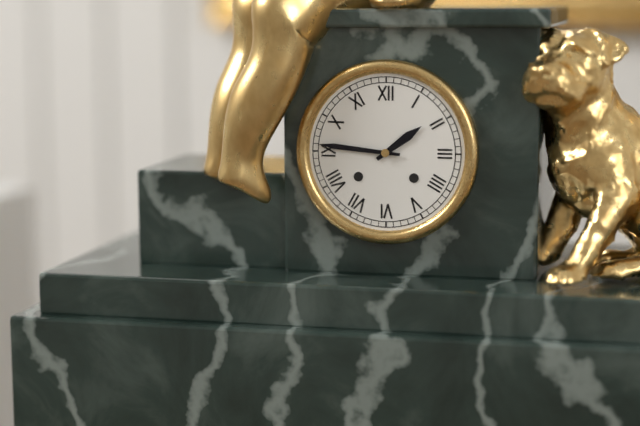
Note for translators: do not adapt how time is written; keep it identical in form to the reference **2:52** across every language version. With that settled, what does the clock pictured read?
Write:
**1:46**
